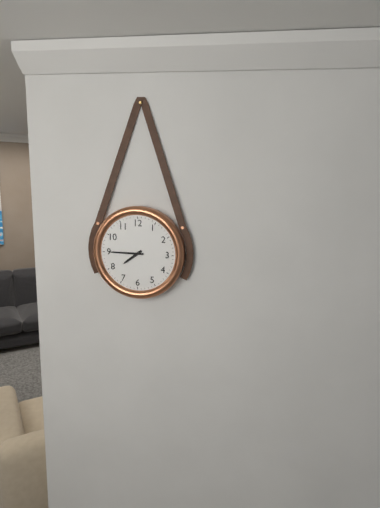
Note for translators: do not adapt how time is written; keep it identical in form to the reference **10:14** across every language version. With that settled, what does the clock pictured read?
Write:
**7:45**
